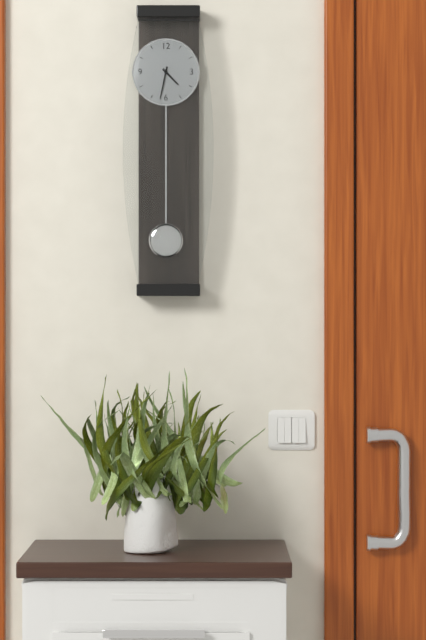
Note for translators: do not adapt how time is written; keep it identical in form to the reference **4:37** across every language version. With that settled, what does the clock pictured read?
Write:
**4:32**
